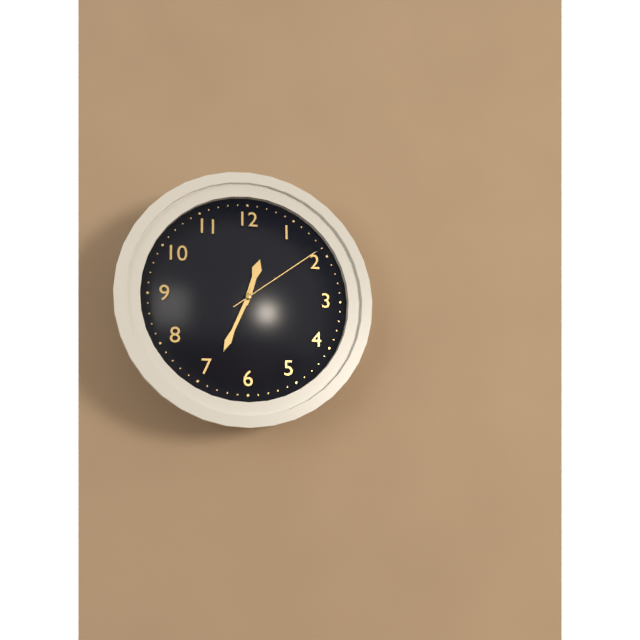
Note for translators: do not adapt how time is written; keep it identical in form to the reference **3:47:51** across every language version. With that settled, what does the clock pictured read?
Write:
**12:34:09**
